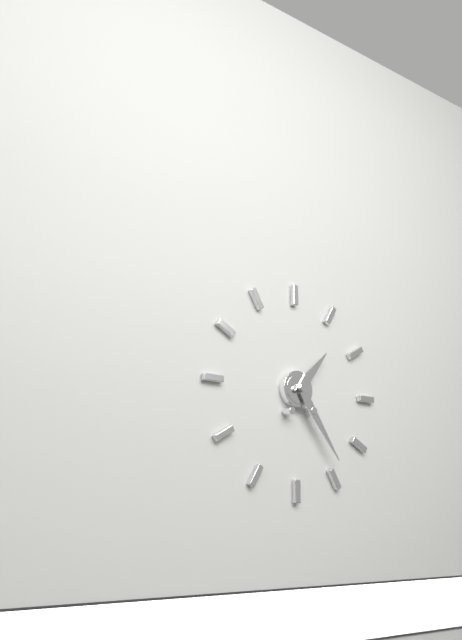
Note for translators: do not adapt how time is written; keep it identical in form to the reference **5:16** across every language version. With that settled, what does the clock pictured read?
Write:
**1:24**
